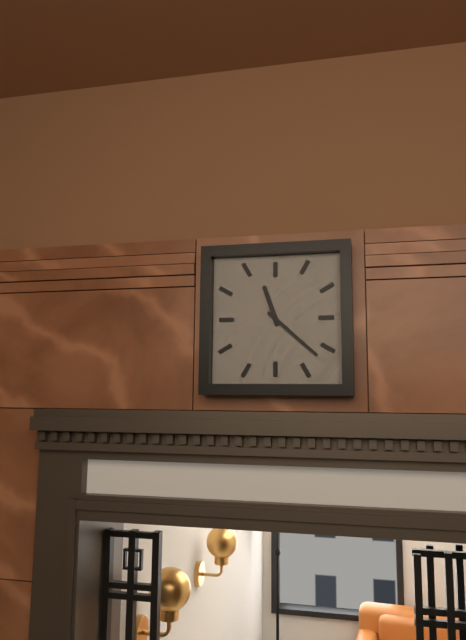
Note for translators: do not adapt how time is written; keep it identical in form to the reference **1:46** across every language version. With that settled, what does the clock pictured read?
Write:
**11:22**
